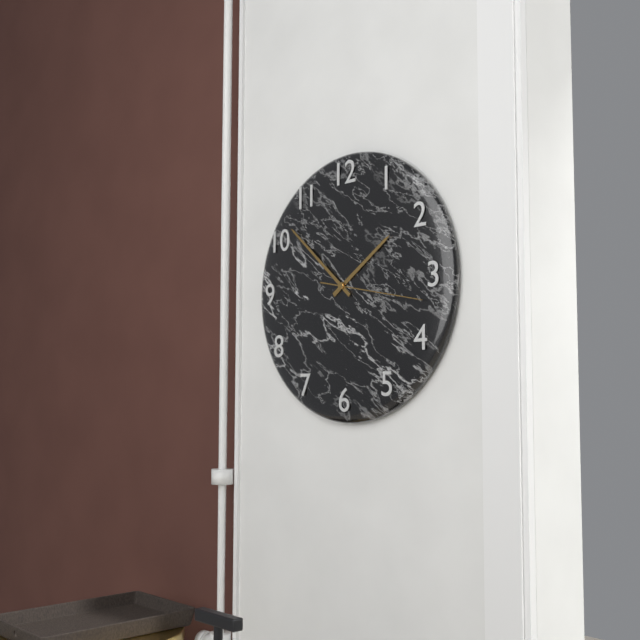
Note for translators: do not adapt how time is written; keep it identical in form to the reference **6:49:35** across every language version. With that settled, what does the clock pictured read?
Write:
**1:52:17**
